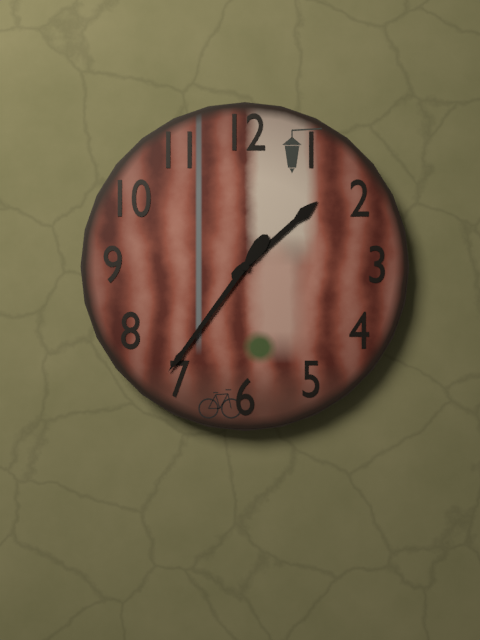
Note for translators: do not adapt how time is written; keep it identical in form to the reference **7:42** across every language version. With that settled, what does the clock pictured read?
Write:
**1:36**
